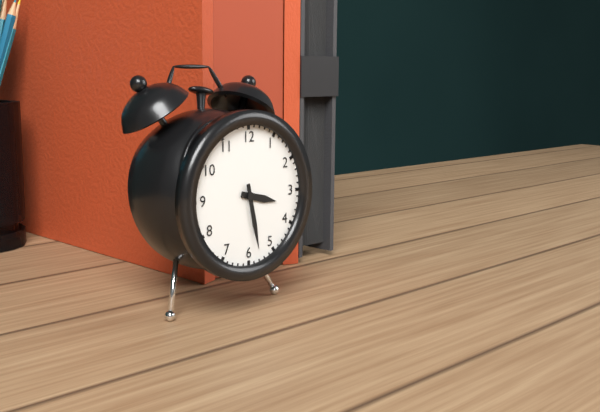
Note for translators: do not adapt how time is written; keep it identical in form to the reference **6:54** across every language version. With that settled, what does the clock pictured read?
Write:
**3:28**
